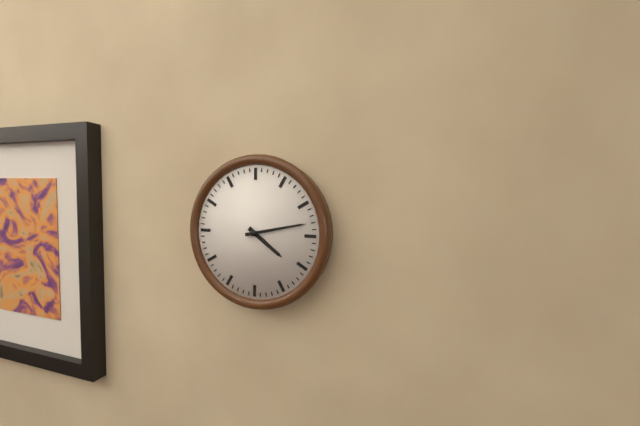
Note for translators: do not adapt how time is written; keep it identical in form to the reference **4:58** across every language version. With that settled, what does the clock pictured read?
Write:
**4:13**
